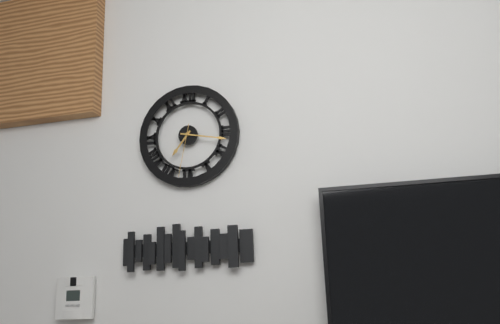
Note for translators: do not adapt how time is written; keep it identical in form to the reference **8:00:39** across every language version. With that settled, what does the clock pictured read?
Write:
**7:17:32**
